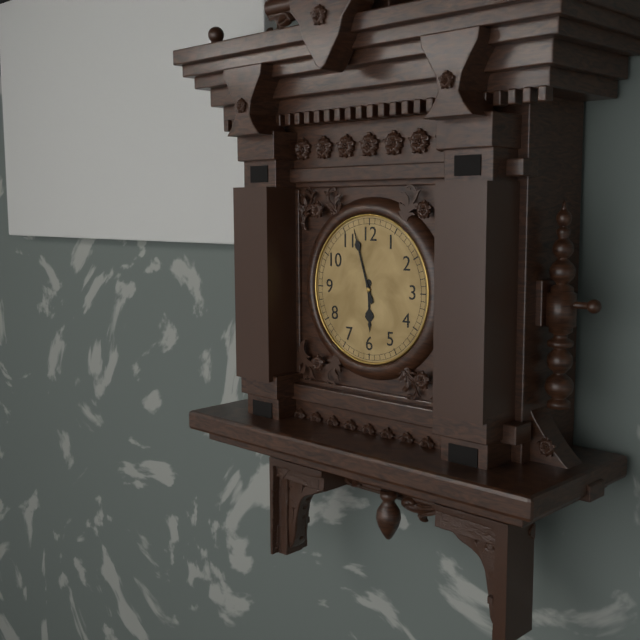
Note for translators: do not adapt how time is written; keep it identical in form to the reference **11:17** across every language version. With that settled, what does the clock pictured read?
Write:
**5:57**
